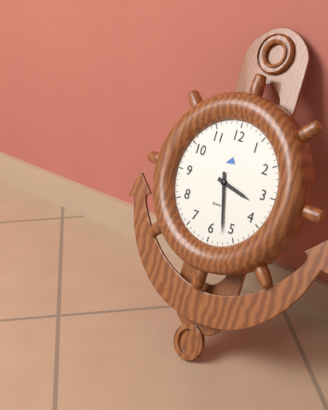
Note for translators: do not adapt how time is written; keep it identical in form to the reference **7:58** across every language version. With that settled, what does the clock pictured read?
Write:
**3:27**
